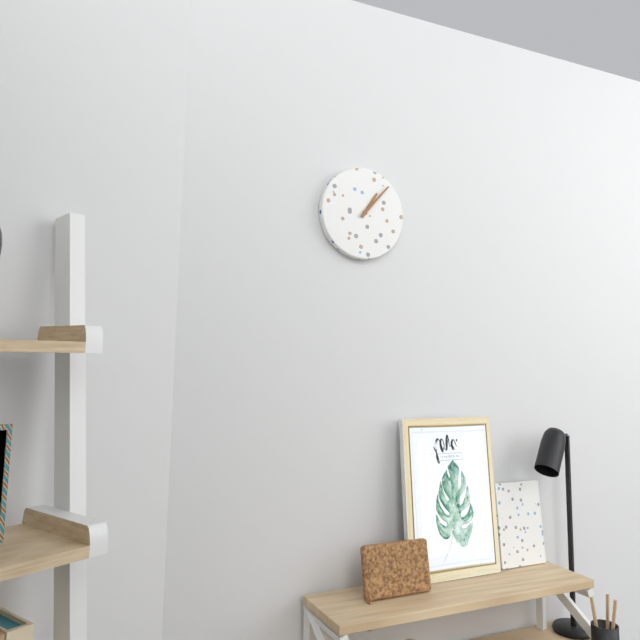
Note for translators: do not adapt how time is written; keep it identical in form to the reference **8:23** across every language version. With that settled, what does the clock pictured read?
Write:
**1:07**
